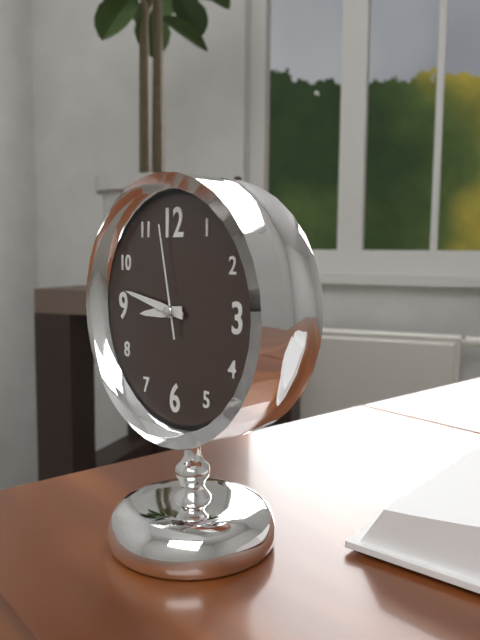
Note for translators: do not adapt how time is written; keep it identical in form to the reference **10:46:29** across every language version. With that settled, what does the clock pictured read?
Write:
**8:47:58**
